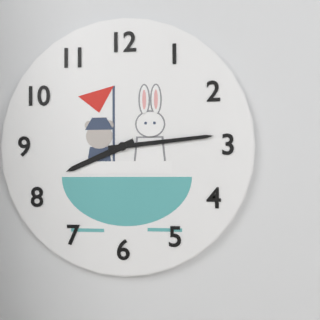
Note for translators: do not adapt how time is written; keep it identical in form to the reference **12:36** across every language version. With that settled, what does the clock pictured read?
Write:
**8:14**
